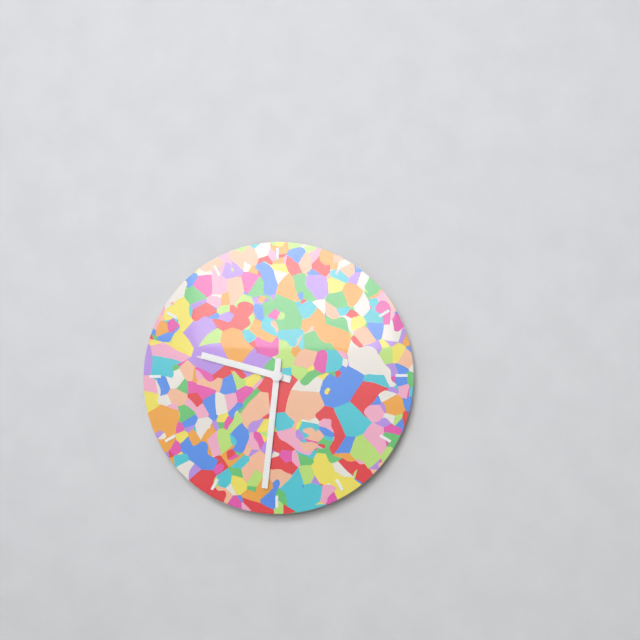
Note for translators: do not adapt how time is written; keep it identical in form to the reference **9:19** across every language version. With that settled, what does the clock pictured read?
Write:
**9:31**
